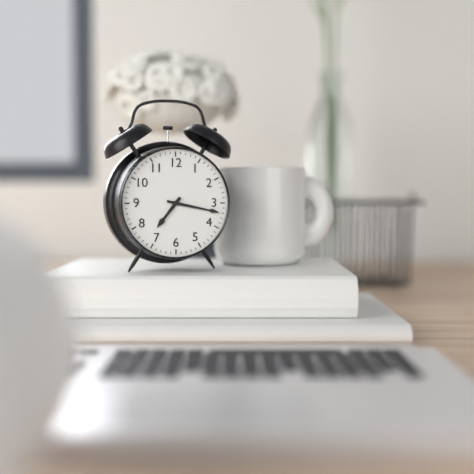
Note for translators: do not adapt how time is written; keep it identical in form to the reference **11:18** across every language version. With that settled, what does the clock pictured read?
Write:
**7:17**
